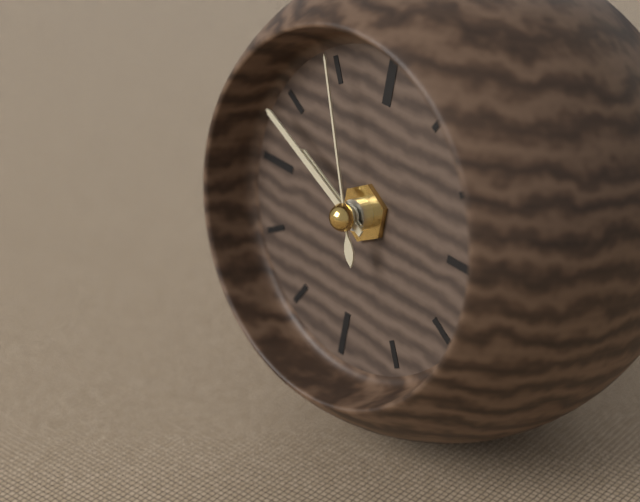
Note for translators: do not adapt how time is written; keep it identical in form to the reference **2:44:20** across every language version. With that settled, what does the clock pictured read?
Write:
**9:49:56**
